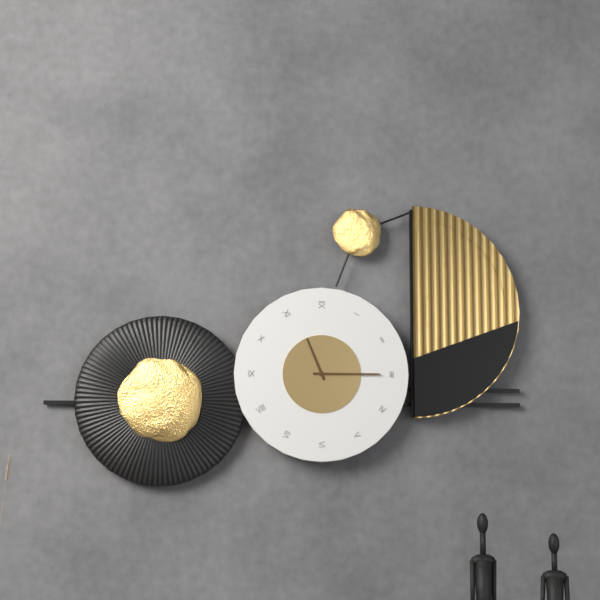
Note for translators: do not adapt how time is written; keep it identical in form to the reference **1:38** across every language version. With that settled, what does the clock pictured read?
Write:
**11:15**
